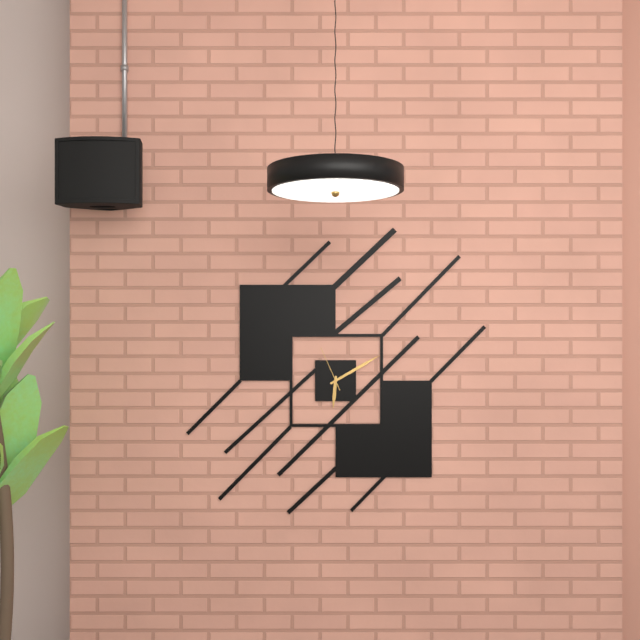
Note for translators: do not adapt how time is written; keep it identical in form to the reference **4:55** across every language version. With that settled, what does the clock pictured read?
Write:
**6:10**
